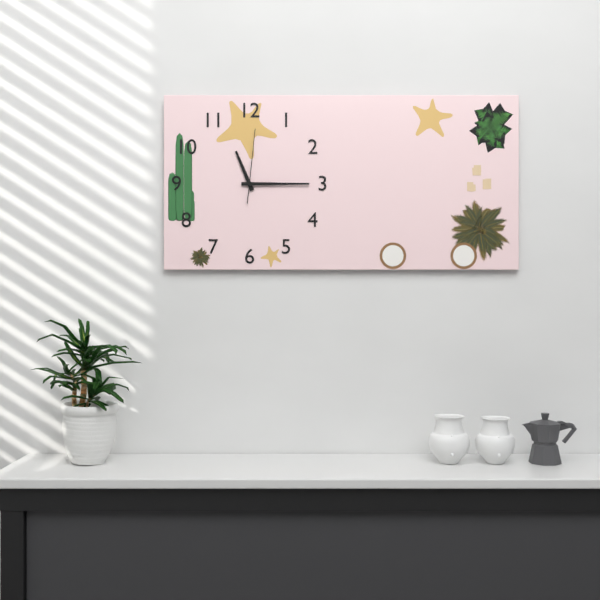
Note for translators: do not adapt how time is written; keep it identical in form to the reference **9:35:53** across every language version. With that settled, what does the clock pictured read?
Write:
**11:15:01**
